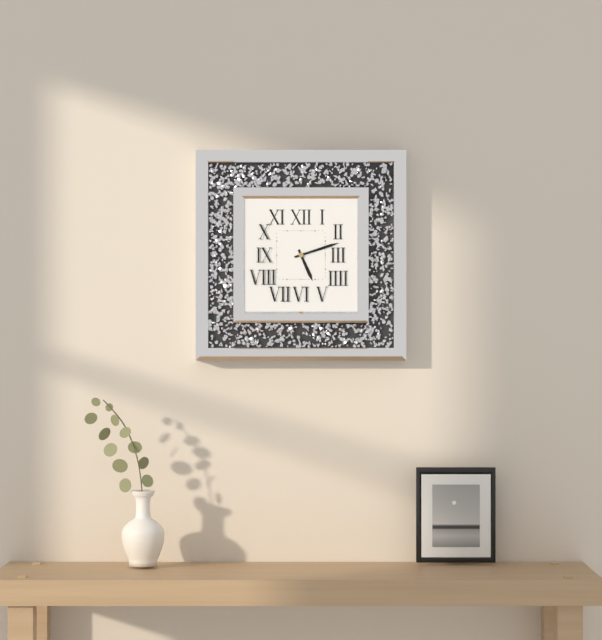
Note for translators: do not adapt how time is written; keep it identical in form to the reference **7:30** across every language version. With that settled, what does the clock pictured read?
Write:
**5:12**
